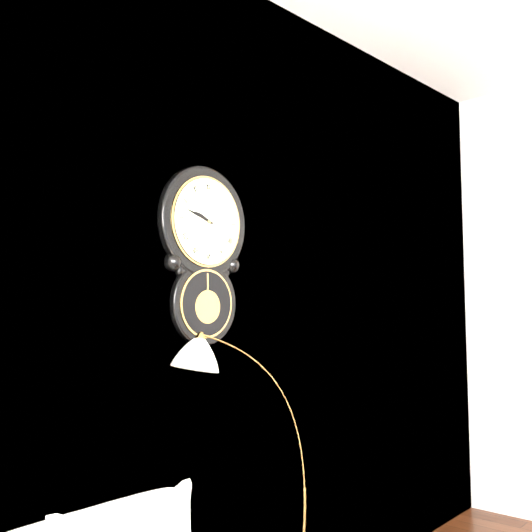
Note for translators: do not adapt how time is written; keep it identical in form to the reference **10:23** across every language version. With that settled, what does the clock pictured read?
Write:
**9:48**
